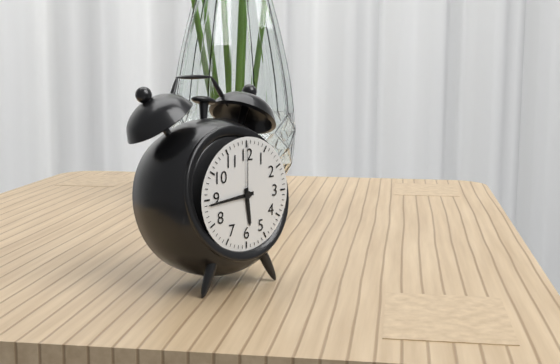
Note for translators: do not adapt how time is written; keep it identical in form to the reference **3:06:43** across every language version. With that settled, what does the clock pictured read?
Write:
**5:44:00**
